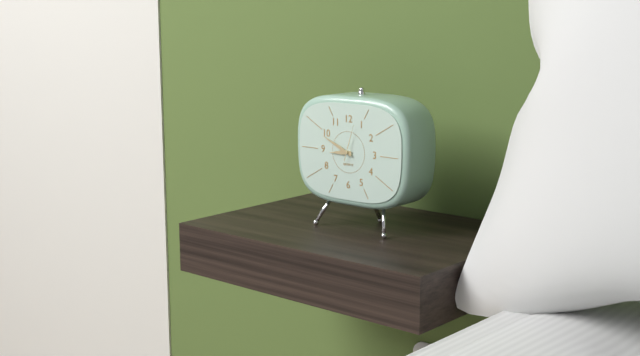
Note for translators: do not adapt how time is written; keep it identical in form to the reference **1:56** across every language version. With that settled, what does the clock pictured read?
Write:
**8:49**
